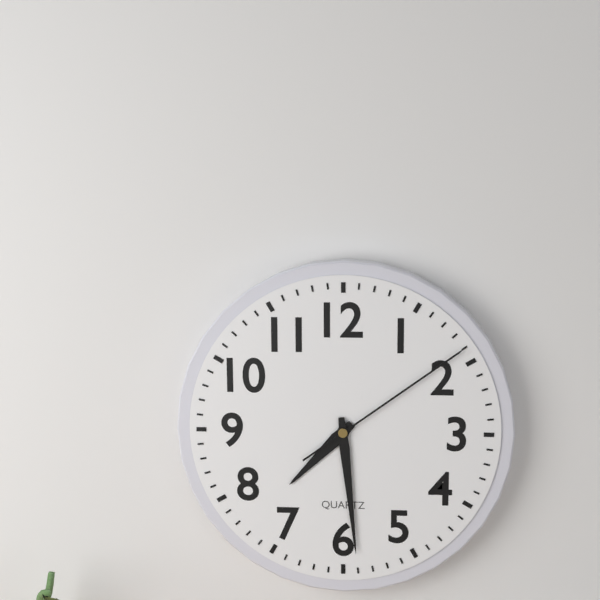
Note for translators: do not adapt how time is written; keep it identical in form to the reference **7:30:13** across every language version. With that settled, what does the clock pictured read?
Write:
**7:29:09**
